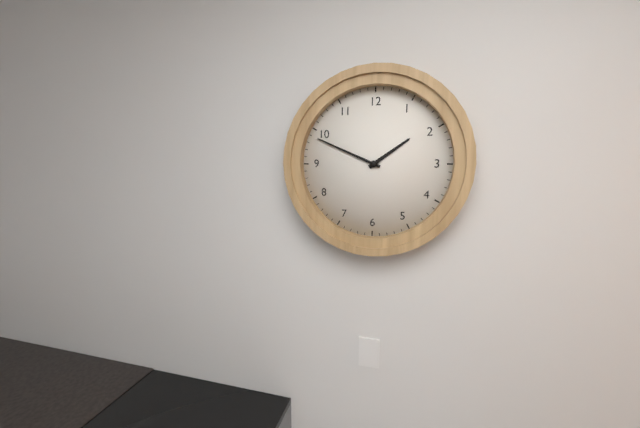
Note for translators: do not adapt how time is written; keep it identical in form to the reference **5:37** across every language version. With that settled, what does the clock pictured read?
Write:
**1:49**
